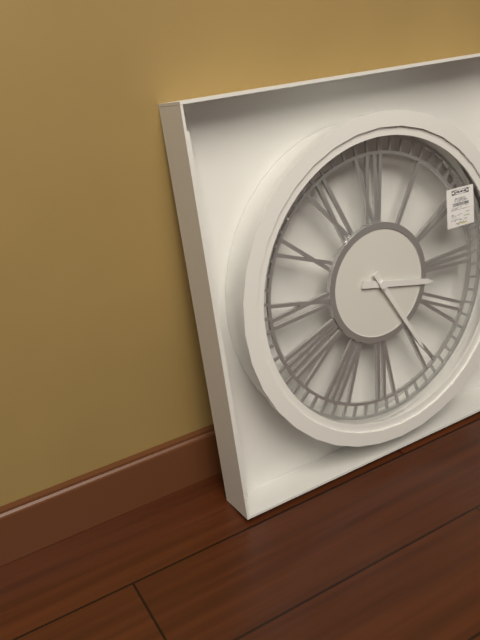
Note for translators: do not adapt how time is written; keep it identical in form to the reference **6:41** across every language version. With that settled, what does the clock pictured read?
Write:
**3:25**
